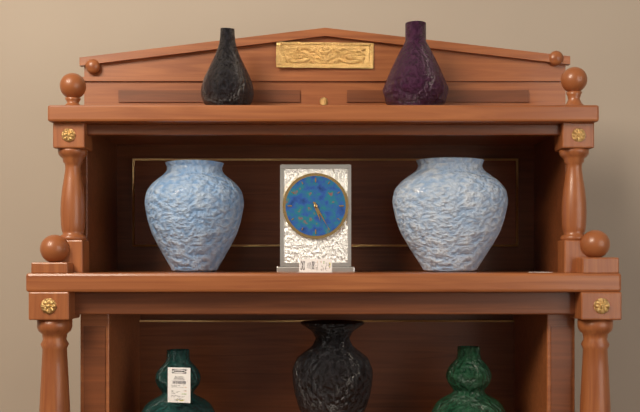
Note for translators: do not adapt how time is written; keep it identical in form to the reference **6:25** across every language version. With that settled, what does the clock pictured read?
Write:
**5:25**
